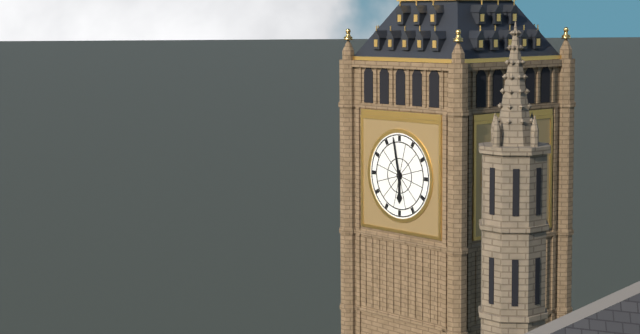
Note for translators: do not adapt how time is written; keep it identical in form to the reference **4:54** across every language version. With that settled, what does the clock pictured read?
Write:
**5:58**
